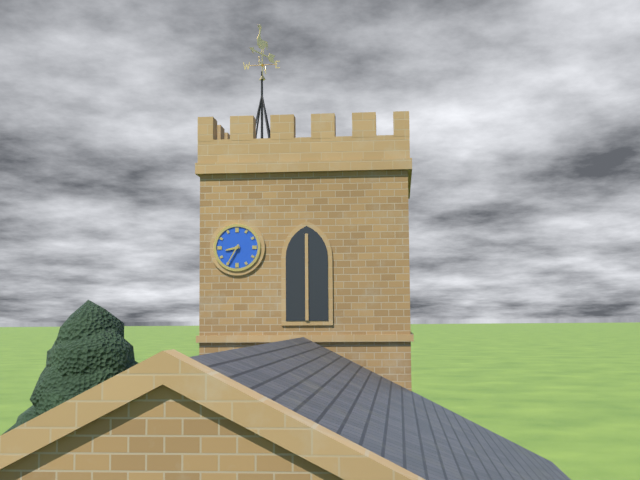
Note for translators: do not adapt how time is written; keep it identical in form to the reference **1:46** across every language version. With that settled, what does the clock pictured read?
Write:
**8:35**
